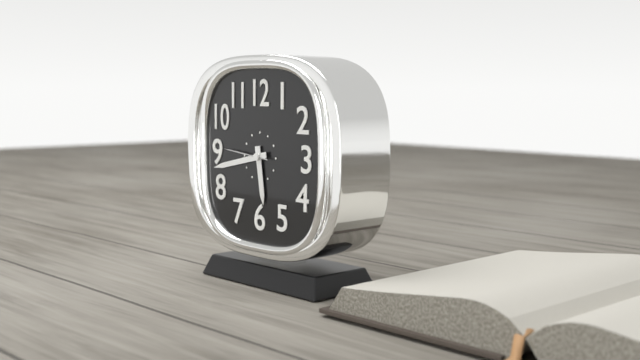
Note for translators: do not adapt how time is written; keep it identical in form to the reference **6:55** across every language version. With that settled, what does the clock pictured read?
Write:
**5:43**
